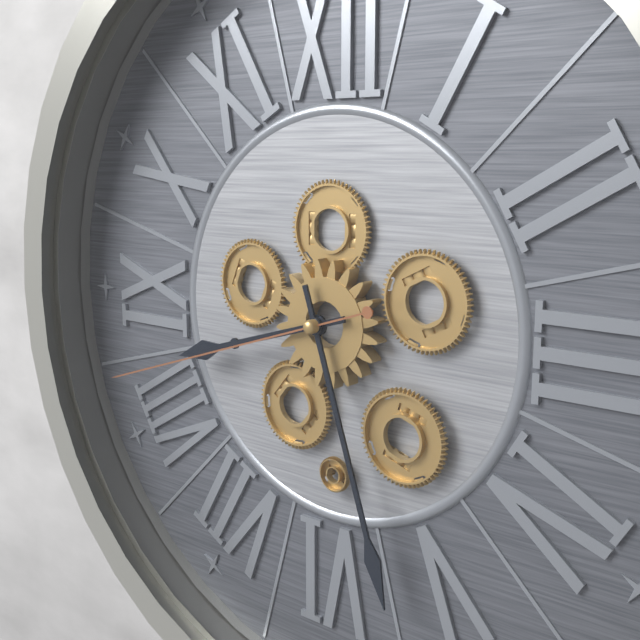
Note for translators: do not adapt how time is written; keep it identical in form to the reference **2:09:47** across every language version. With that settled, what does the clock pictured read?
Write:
**8:27:42**
